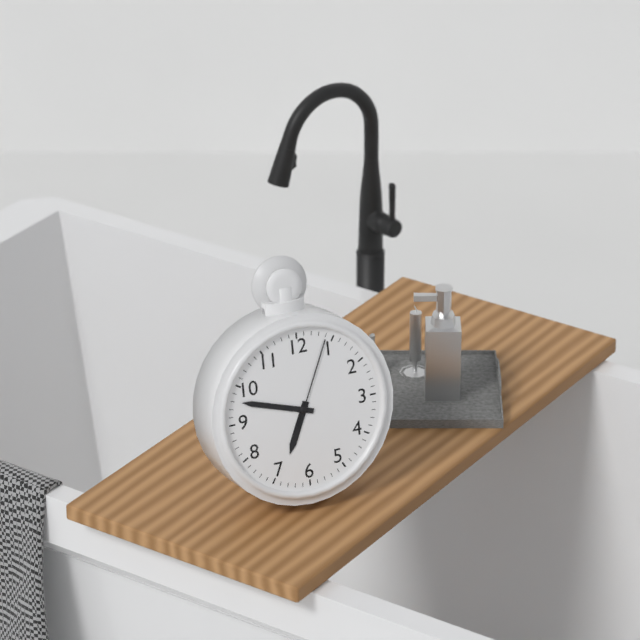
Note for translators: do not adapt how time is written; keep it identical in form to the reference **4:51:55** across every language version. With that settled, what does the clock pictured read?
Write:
**6:48:04**
